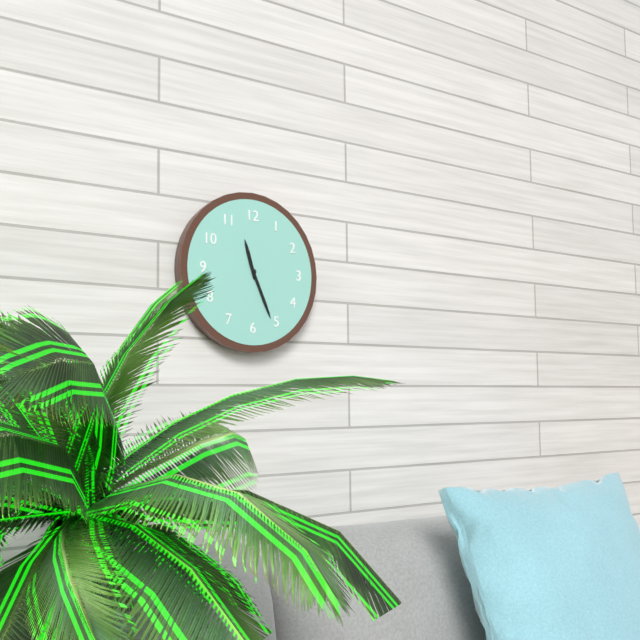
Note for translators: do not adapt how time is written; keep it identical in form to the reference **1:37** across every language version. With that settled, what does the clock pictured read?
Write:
**11:26**
